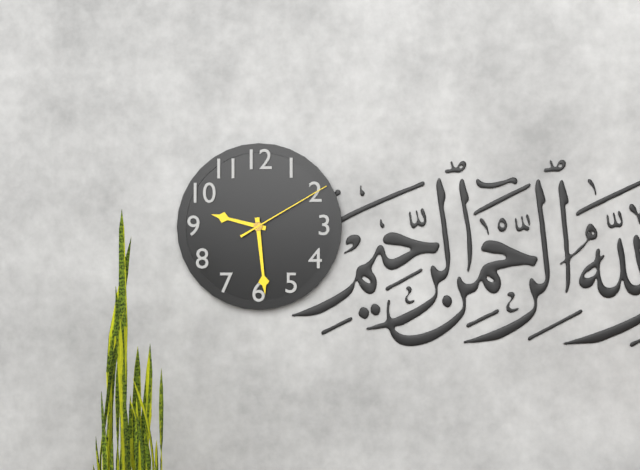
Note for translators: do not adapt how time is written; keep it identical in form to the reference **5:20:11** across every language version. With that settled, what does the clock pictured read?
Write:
**9:29:10**
